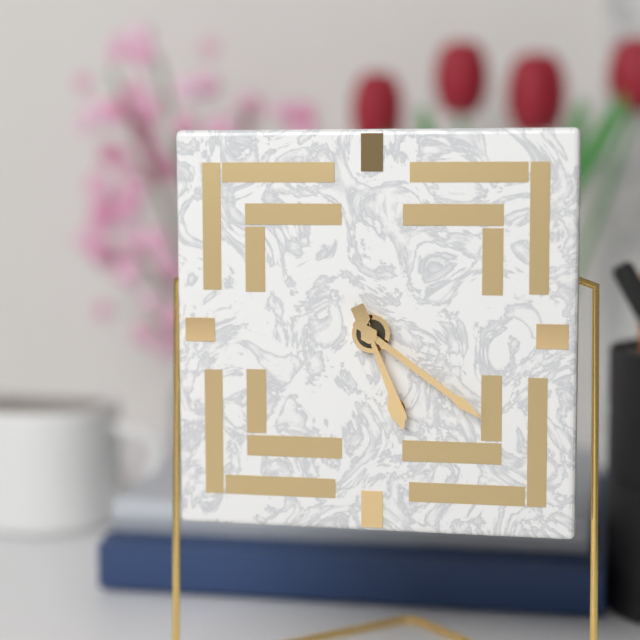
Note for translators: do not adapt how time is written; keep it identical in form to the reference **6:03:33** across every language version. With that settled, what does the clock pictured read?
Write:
**5:21:26**
